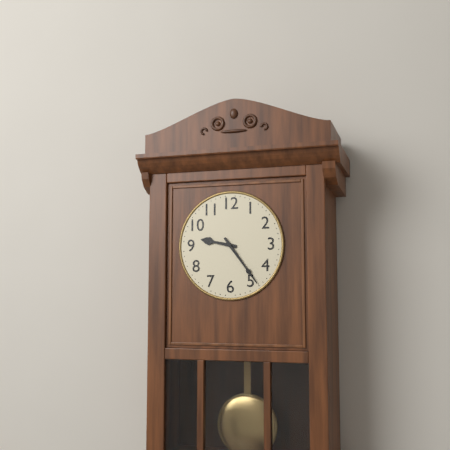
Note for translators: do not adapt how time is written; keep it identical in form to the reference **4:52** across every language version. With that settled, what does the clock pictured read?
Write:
**9:24**
